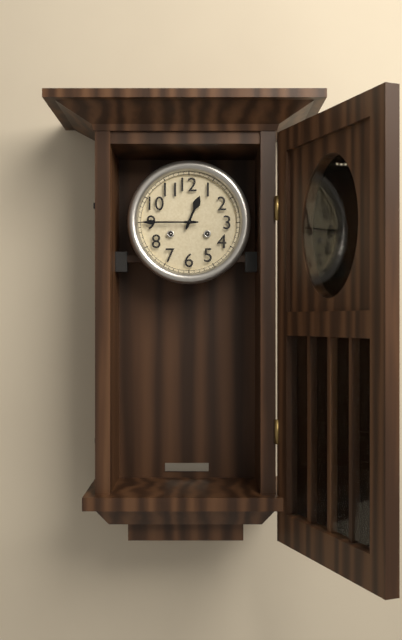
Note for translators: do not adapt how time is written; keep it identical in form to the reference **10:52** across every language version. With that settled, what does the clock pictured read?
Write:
**12:45**
